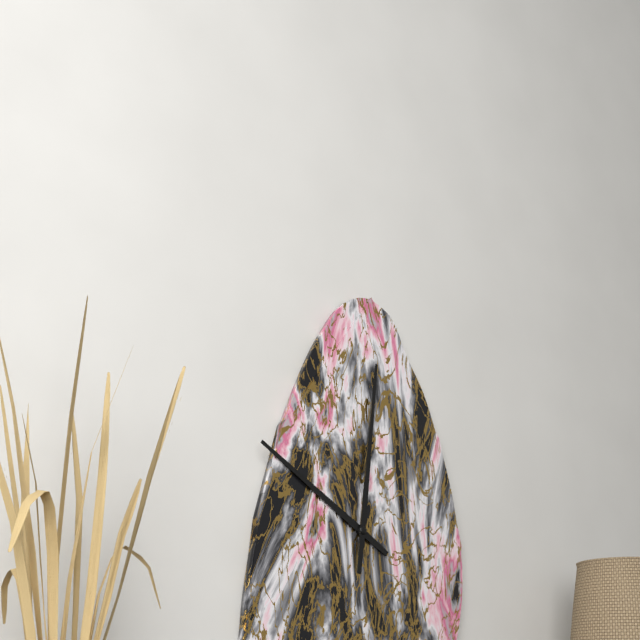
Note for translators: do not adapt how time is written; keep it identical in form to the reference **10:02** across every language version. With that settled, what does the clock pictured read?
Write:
**10:01**
